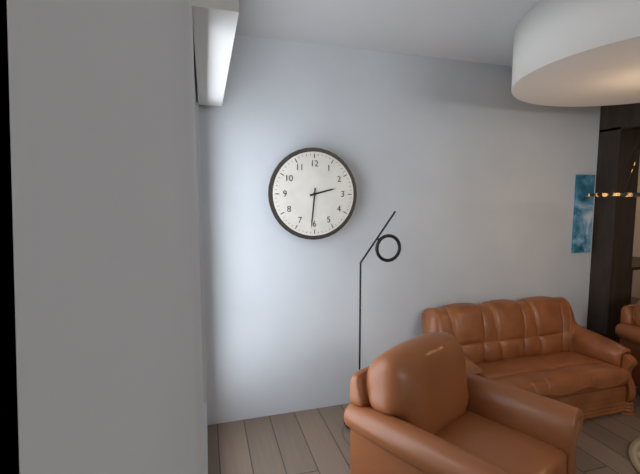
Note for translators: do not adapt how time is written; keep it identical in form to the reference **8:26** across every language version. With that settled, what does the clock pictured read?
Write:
**2:31**
